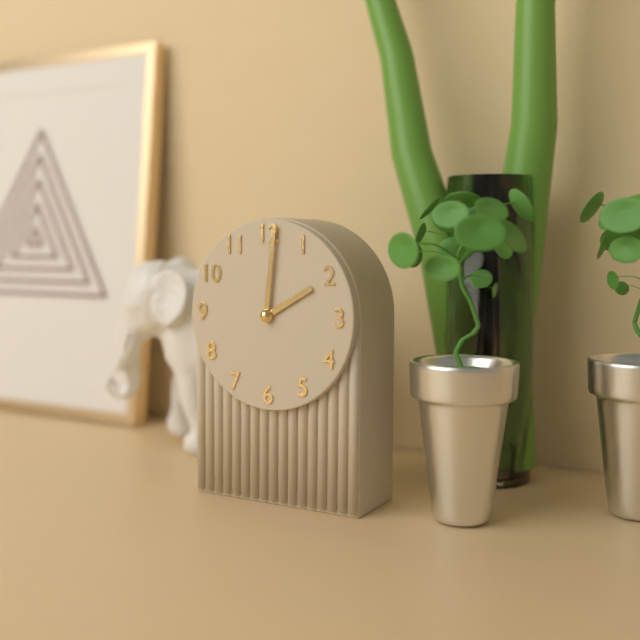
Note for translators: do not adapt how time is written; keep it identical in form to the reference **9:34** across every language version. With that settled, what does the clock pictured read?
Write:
**2:01**
